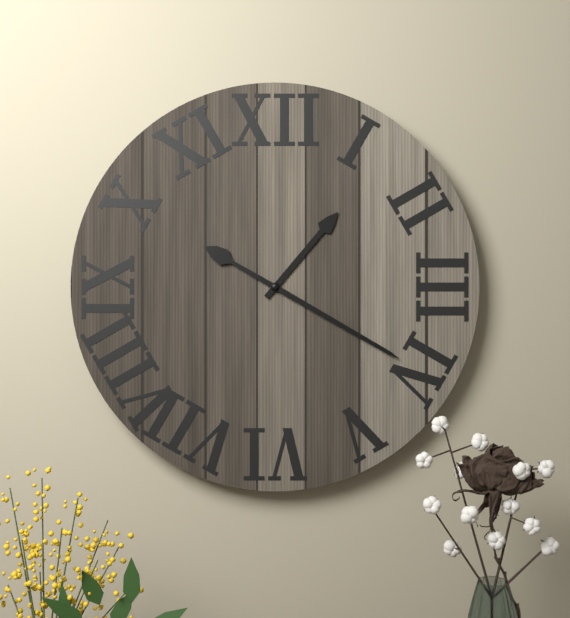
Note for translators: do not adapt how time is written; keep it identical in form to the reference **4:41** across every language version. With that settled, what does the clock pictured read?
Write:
**1:20**
